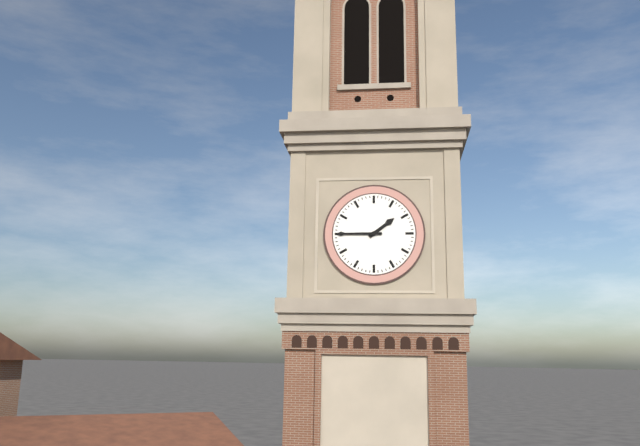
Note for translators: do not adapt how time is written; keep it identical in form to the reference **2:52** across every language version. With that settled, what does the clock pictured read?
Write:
**1:45**
